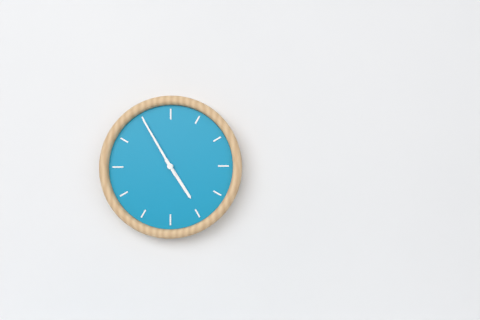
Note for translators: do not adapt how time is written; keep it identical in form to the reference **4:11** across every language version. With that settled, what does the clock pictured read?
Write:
**4:55**
